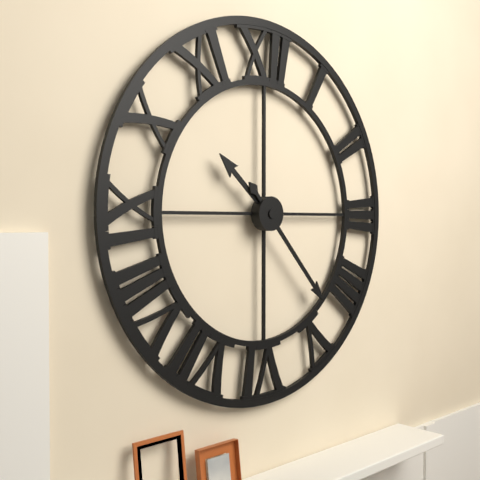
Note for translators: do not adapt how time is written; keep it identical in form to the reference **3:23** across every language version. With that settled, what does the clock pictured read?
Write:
**10:23**
